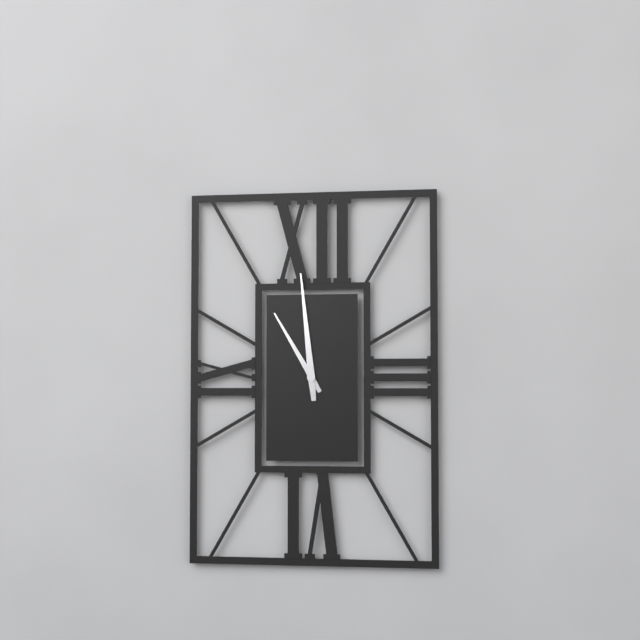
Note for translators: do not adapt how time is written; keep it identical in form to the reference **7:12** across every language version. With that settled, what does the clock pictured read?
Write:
**10:59**
